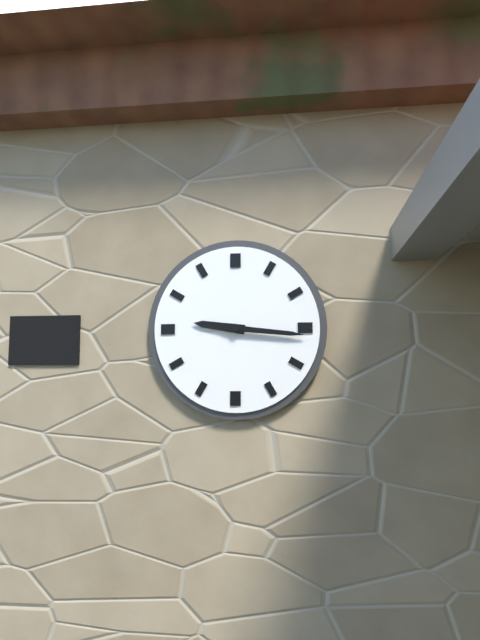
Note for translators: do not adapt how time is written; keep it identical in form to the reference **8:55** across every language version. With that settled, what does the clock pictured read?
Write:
**9:16**
